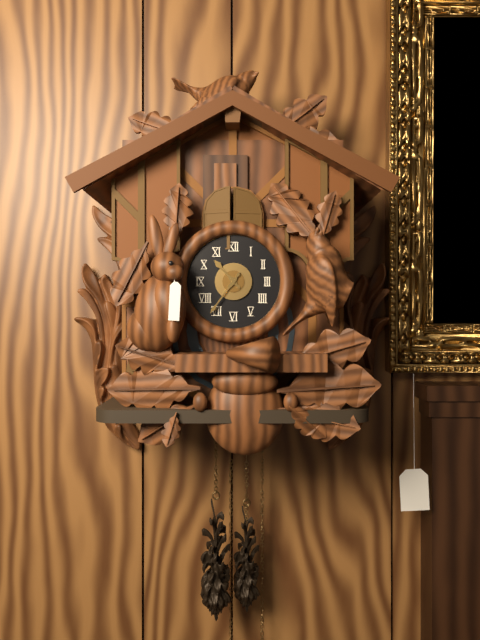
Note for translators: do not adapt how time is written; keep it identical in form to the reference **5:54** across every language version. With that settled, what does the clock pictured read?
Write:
**10:36**
